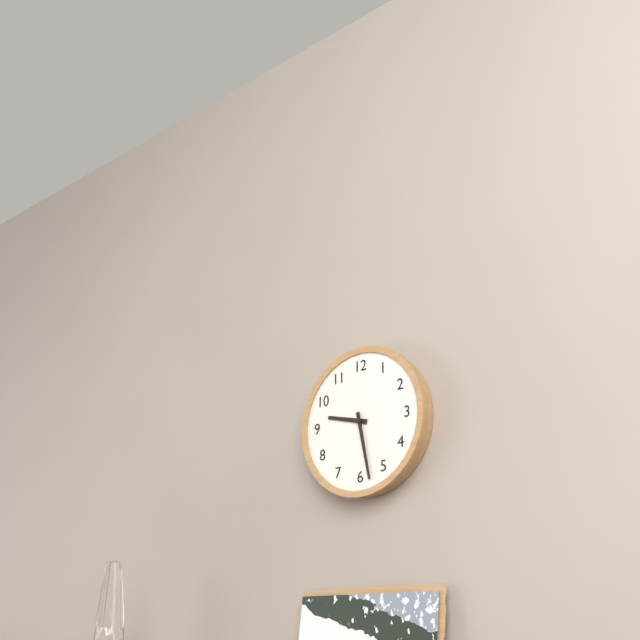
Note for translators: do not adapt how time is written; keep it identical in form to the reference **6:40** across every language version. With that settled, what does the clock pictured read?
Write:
**9:28**
